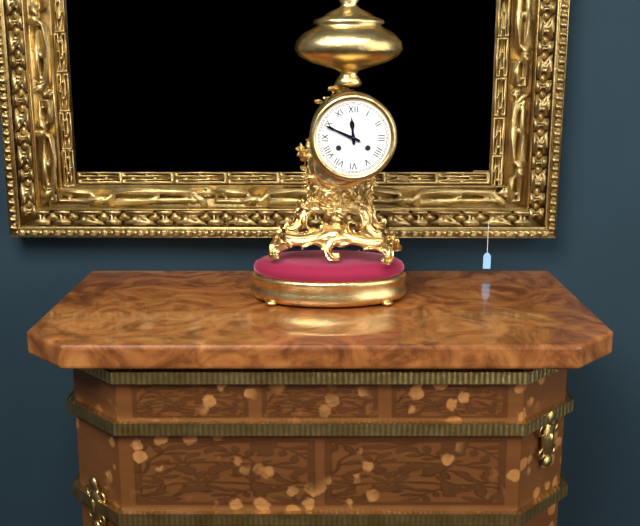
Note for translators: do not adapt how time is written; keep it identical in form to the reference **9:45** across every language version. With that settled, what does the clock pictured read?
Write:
**11:49**
